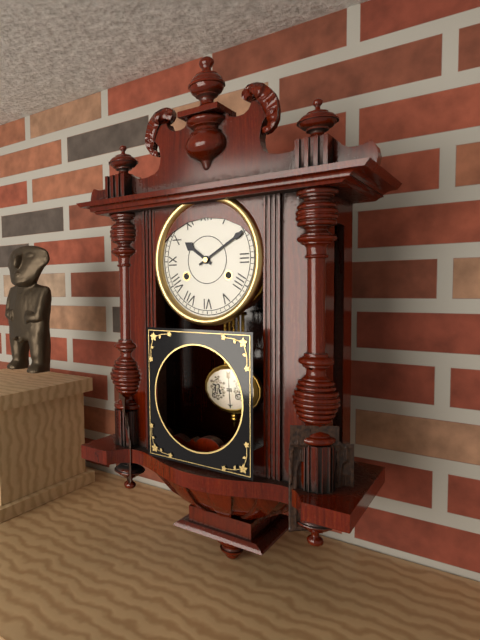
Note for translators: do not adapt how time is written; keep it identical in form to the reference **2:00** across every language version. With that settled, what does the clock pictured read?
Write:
**10:10**
